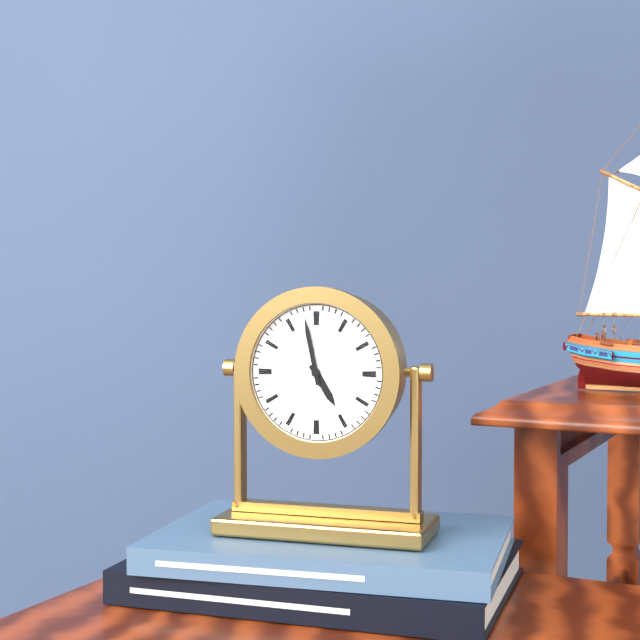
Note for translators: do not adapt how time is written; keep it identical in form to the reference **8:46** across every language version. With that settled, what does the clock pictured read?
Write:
**4:58**
